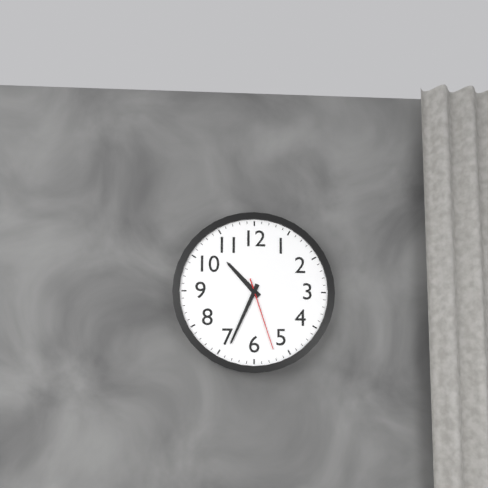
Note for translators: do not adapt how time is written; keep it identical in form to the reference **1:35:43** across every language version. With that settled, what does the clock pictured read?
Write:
**10:34:27**
